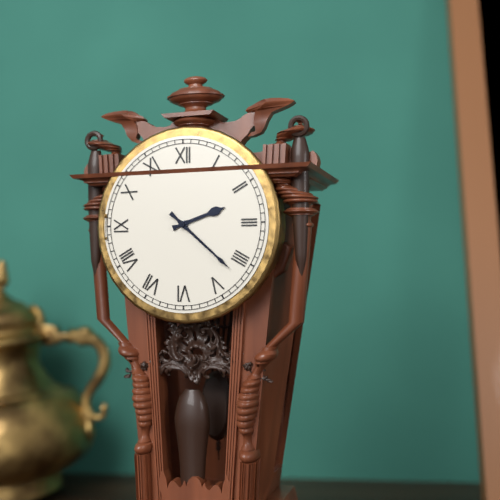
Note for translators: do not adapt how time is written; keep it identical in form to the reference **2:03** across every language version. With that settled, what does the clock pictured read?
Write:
**2:22**
